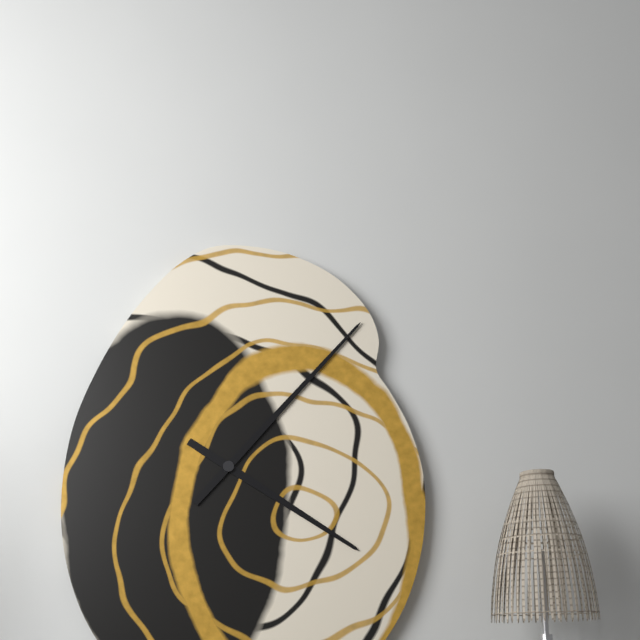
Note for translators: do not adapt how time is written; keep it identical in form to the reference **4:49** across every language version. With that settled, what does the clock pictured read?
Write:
**4:07**
